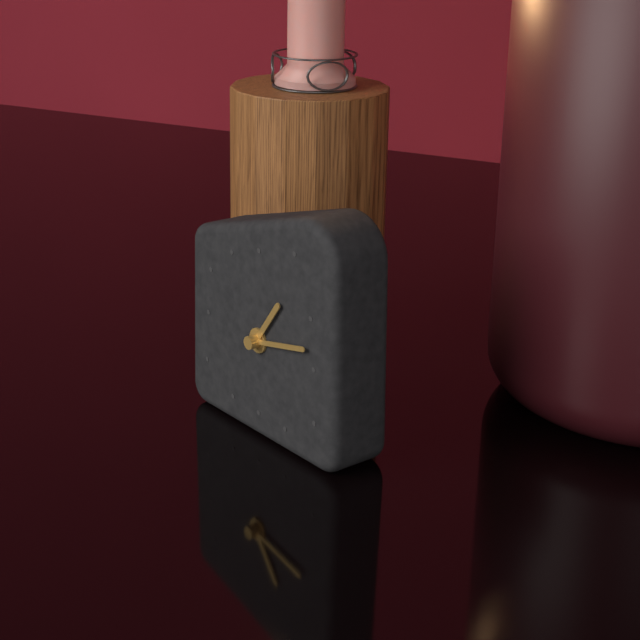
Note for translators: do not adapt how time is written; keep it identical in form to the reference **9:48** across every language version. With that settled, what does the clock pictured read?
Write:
**1:13**
